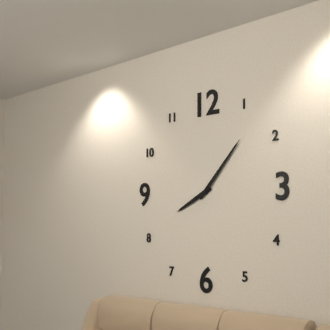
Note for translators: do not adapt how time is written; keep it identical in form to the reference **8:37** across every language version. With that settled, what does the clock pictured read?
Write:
**8:07**
